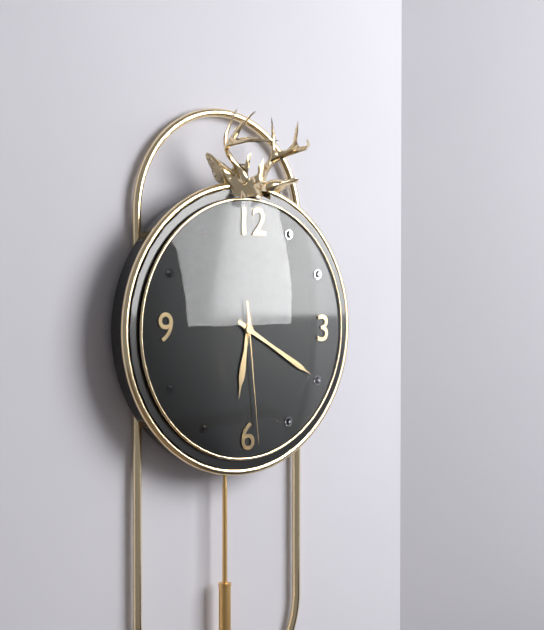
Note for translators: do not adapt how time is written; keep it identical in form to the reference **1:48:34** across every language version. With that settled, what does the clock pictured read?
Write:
**6:20:29**
